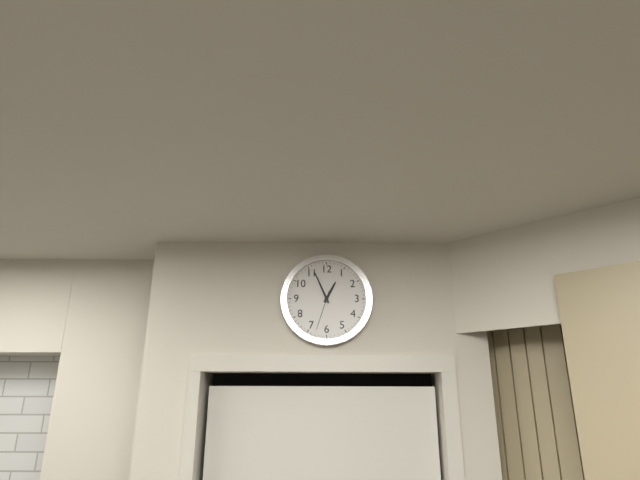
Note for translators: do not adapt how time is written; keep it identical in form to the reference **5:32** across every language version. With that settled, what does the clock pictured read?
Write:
**12:56**
